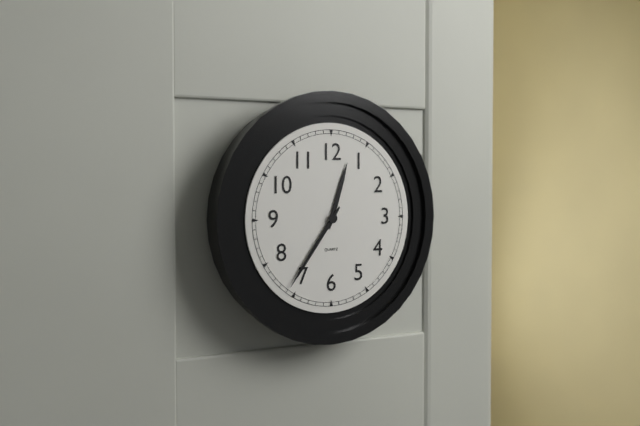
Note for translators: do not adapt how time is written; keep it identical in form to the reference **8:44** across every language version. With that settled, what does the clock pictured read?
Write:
**12:36**
